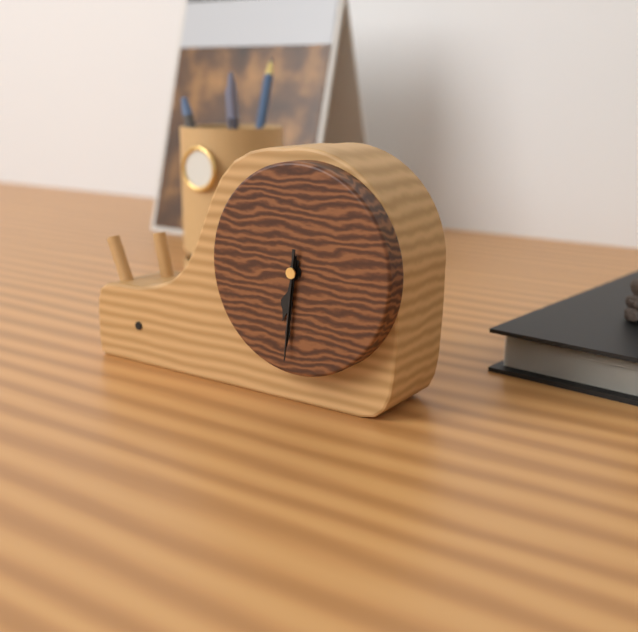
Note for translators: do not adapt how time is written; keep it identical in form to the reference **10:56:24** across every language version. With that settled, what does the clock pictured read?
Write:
**6:31:31**
